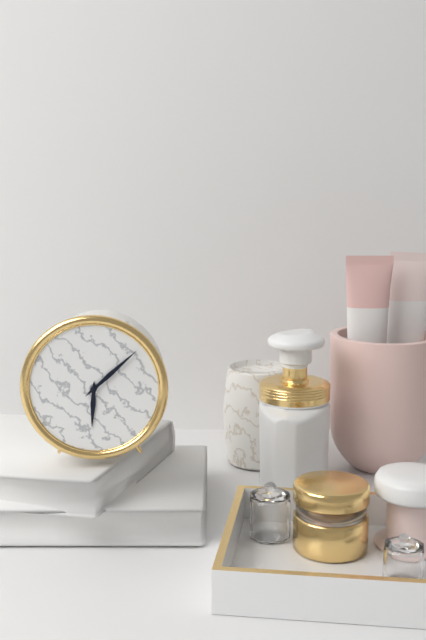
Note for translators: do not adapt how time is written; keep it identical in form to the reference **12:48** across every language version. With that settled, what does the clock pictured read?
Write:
**6:08**
